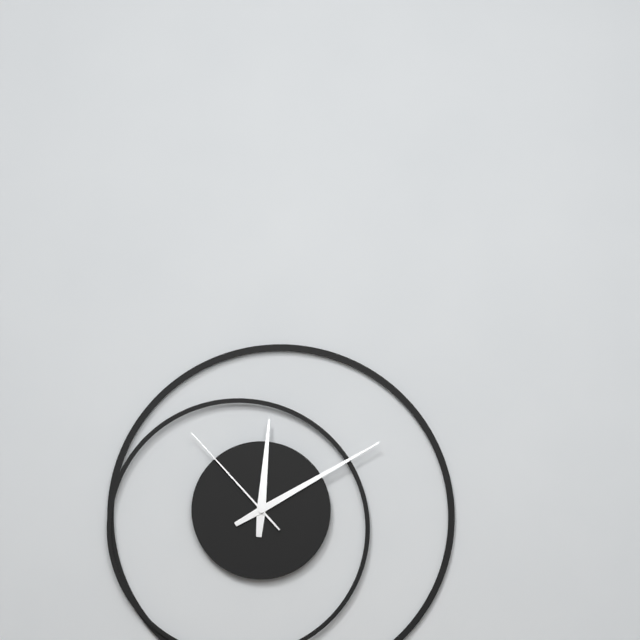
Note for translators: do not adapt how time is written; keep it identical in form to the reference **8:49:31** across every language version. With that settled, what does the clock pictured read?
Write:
**12:10:53**
